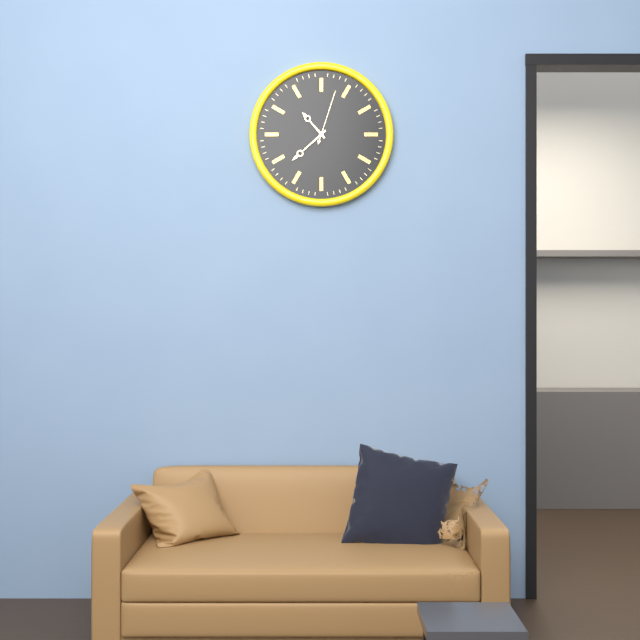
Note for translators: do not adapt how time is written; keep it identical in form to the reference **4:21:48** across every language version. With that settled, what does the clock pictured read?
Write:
**10:38:03**
